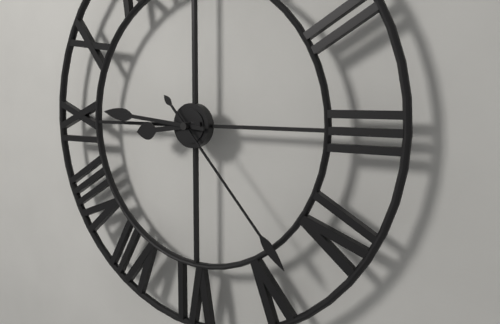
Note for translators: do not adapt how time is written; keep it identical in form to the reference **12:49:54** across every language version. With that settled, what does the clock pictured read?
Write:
**8:46:23**
